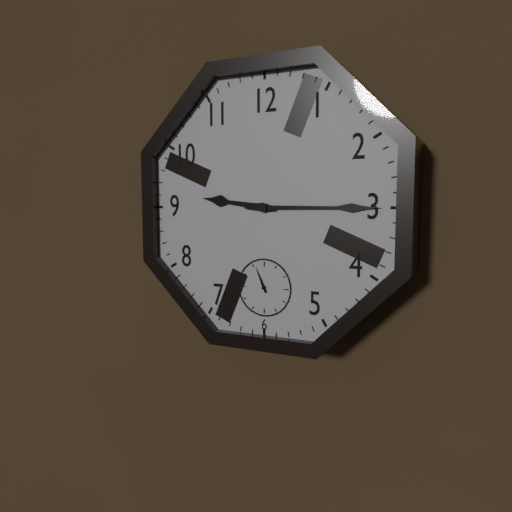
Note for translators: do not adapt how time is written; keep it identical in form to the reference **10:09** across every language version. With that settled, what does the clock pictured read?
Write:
**9:15**
